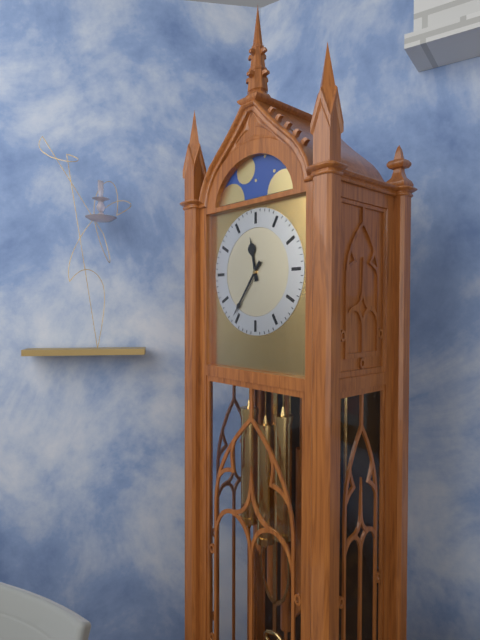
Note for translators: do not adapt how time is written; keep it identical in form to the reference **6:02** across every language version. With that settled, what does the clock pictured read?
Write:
**11:36**
